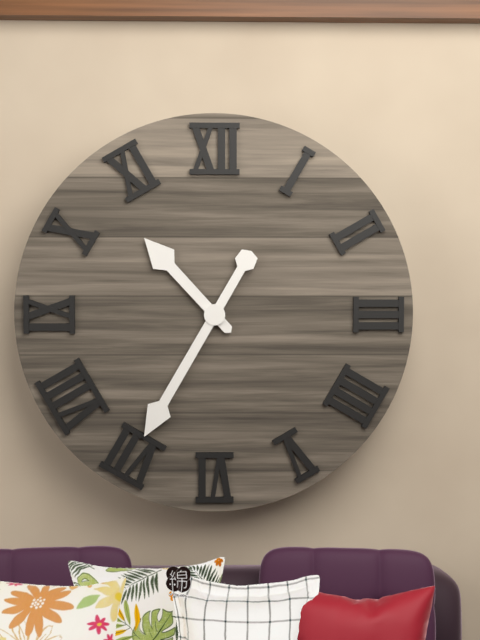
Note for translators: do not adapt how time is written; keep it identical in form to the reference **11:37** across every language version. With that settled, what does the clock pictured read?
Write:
**10:35**
